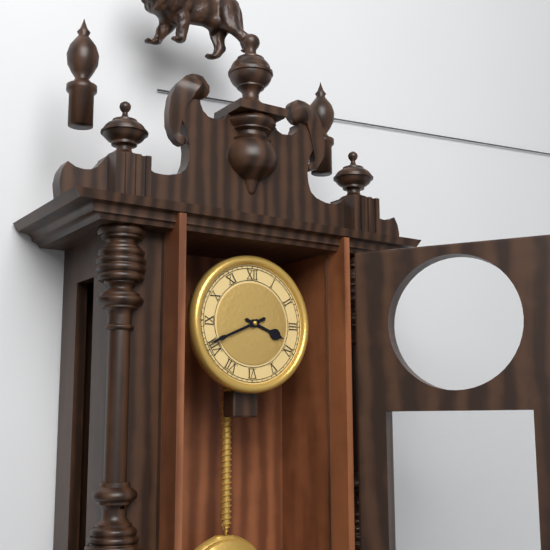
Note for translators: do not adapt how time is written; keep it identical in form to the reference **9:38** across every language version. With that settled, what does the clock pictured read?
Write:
**3:41**
